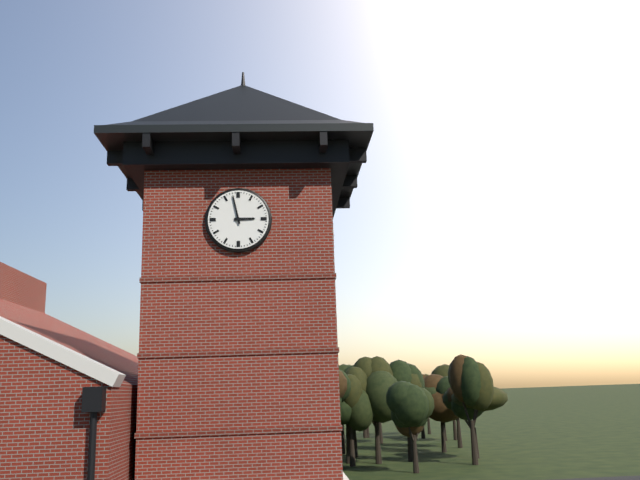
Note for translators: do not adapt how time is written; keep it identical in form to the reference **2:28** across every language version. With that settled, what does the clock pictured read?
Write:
**2:58**
